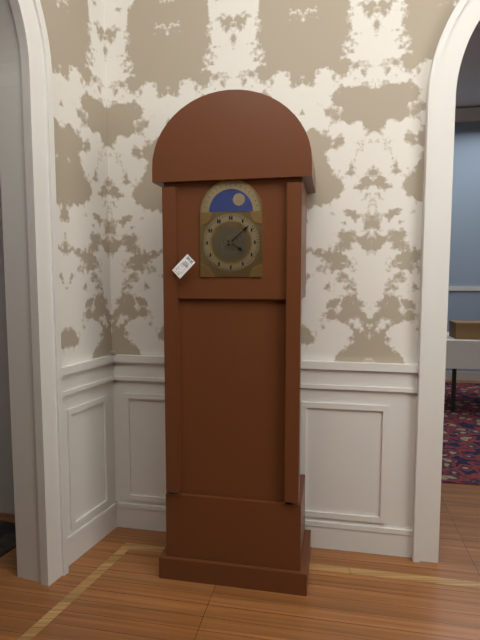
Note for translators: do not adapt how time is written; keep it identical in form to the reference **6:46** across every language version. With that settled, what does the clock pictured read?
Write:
**4:08**
